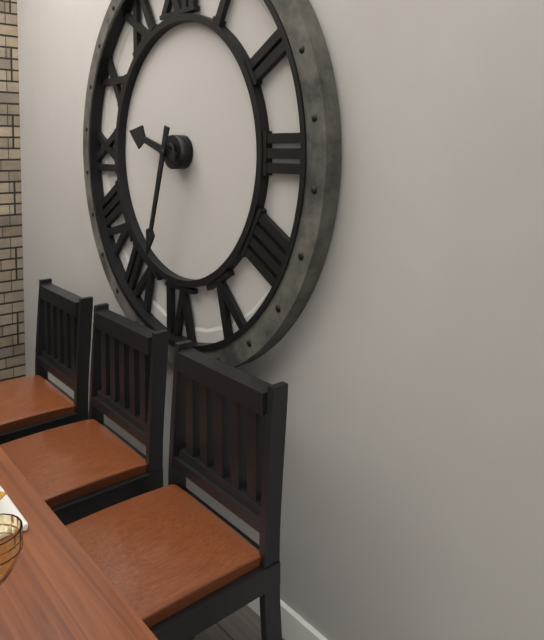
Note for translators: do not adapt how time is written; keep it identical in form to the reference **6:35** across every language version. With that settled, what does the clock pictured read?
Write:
**9:33**
